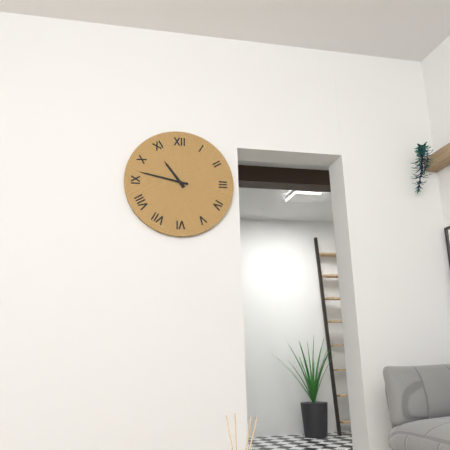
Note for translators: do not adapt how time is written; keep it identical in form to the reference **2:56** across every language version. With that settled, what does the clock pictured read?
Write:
**10:47**
